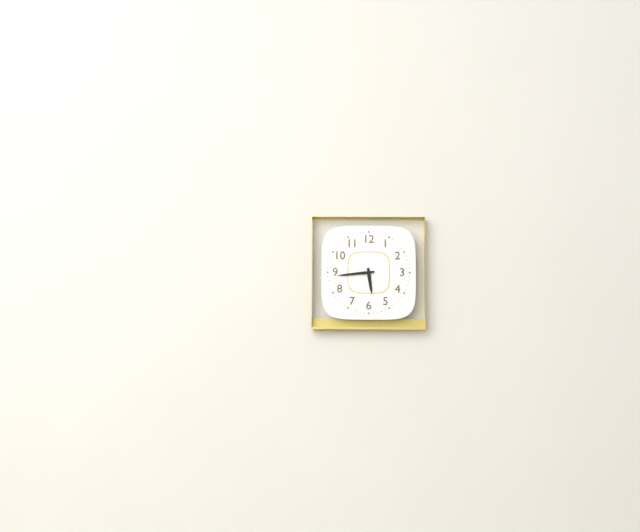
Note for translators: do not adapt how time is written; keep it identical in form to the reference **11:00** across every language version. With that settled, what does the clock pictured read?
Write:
**5:44**
